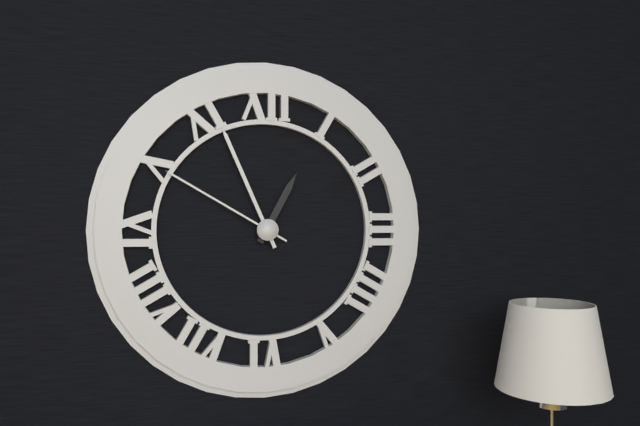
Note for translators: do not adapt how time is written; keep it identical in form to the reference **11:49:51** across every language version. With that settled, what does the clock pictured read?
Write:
**12:56:50**
